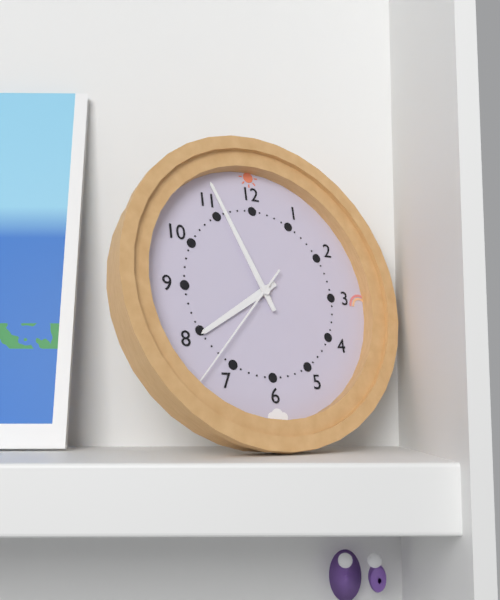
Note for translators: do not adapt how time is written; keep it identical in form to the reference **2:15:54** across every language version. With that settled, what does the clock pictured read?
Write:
**7:56:37**
